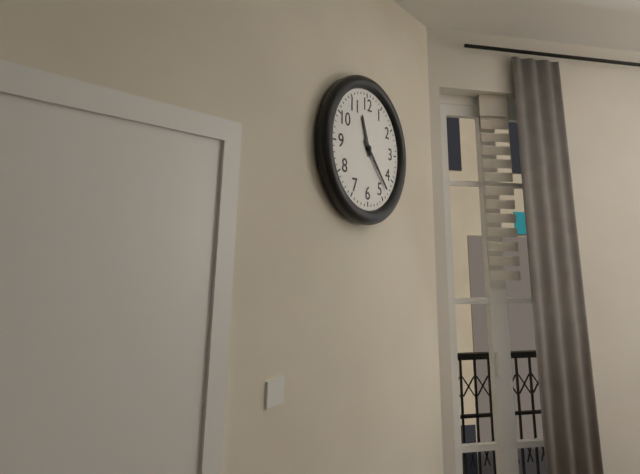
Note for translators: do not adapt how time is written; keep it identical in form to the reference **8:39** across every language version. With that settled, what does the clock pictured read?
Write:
**11:23**
